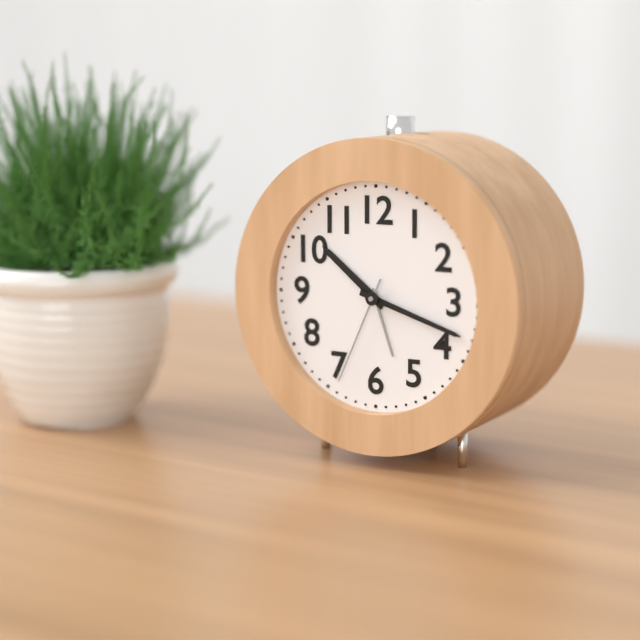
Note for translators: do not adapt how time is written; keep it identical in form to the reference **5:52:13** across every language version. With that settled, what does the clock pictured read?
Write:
**10:18:34**
